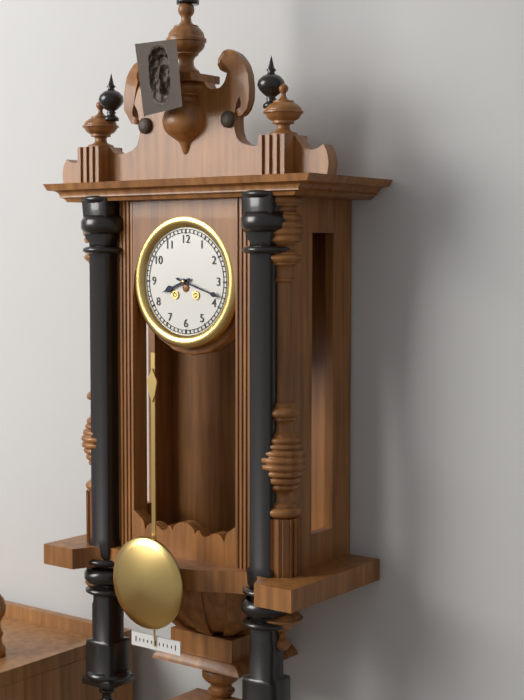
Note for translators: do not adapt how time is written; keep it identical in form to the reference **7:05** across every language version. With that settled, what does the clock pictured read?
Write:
**8:18**
